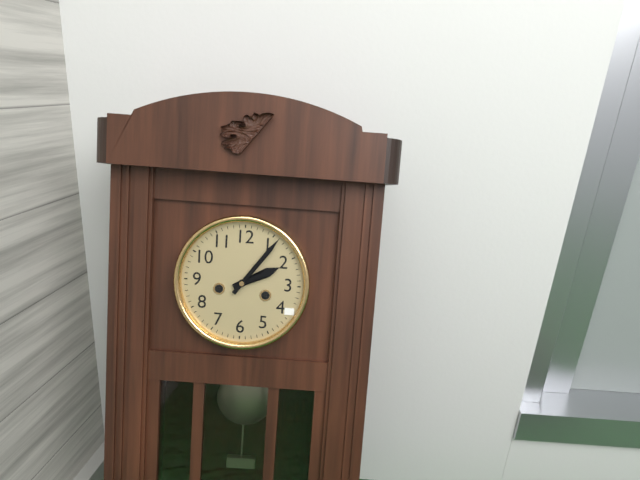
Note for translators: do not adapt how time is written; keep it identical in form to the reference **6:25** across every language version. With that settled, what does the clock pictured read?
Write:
**2:06**
